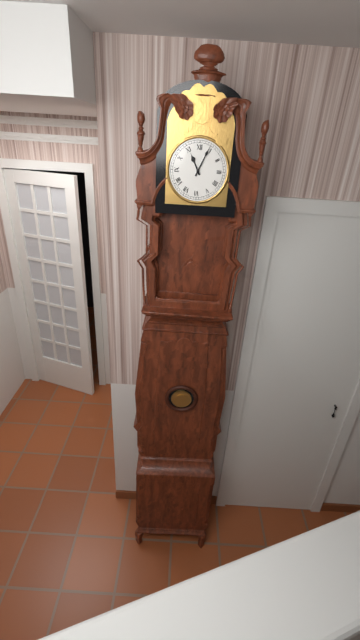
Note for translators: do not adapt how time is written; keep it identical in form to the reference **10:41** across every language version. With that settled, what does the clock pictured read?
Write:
**11:04**
